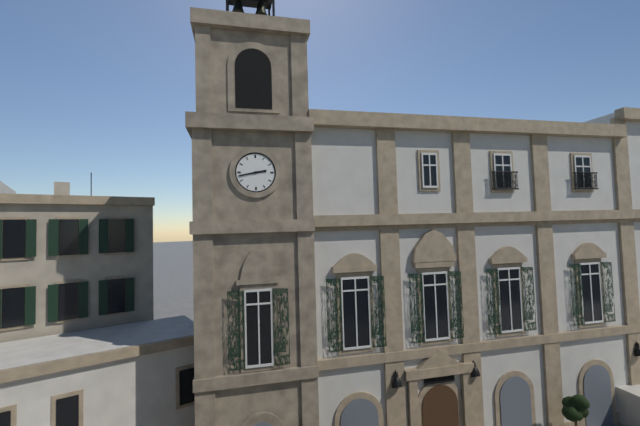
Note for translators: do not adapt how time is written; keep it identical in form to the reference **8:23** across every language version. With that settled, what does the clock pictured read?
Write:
**2:43**
